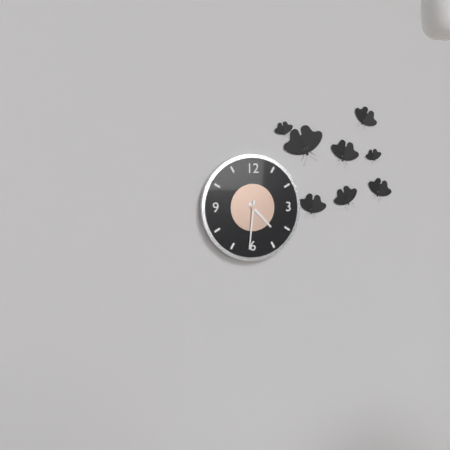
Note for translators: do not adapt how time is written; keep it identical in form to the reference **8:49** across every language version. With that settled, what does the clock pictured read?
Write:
**4:31**
